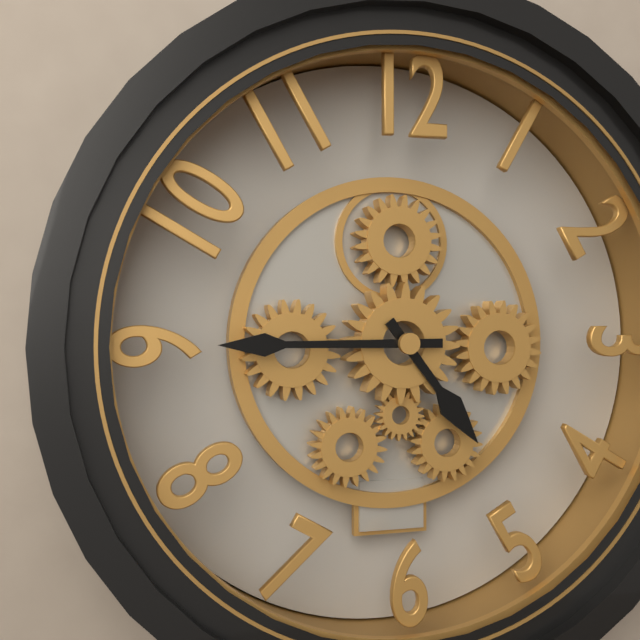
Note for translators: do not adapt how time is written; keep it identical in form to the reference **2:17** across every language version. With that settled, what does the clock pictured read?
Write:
**4:45**
